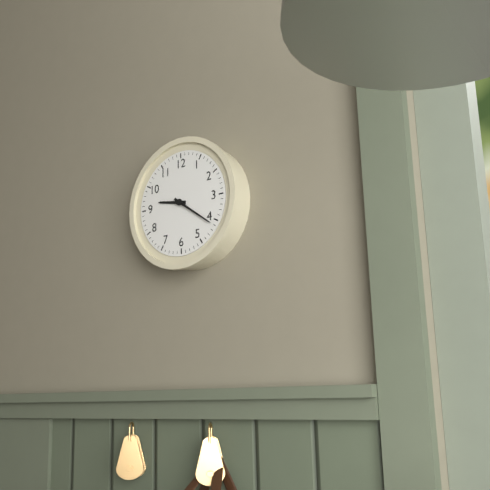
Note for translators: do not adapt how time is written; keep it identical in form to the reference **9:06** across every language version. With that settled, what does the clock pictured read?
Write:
**9:21**
